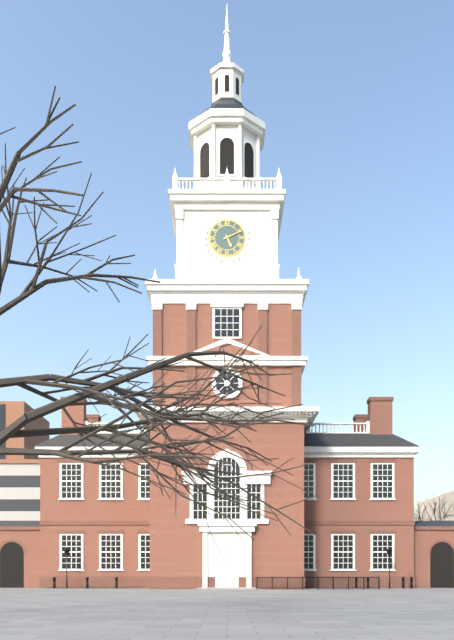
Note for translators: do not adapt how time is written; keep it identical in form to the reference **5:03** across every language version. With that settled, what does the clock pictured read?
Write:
**5:11**
